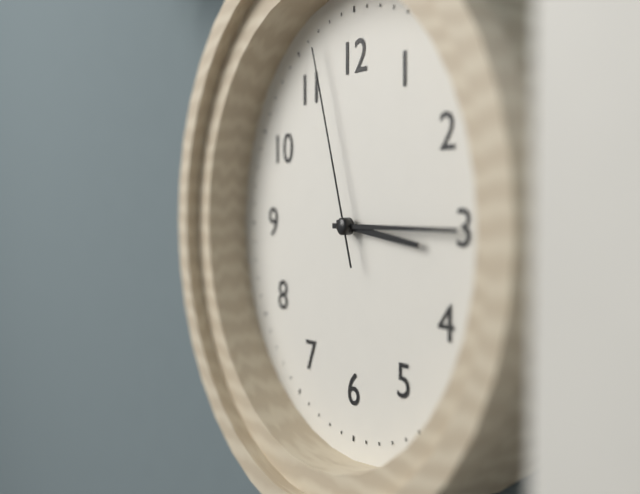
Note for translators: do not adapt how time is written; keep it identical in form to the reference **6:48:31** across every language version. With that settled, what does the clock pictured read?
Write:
**3:15:57**
